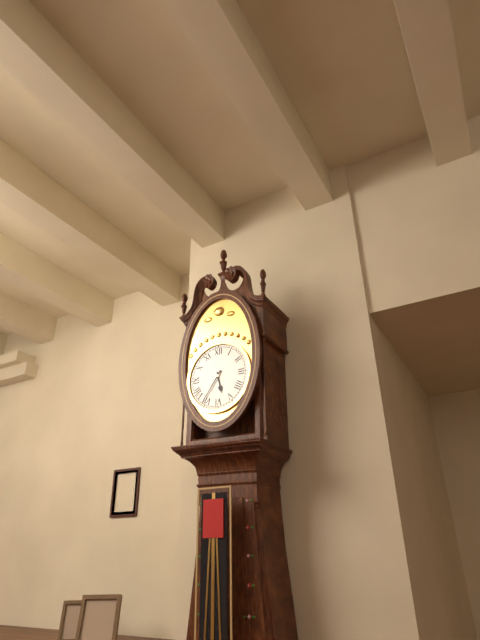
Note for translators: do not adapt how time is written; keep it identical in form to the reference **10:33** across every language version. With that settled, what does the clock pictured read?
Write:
**5:36**
